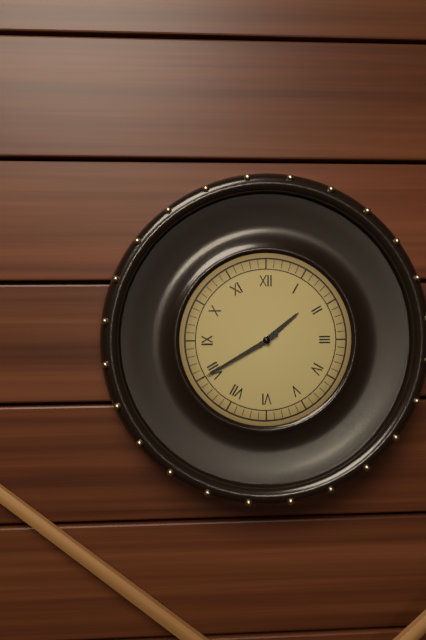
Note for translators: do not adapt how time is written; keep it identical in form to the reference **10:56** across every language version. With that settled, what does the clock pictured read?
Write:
**1:40**
